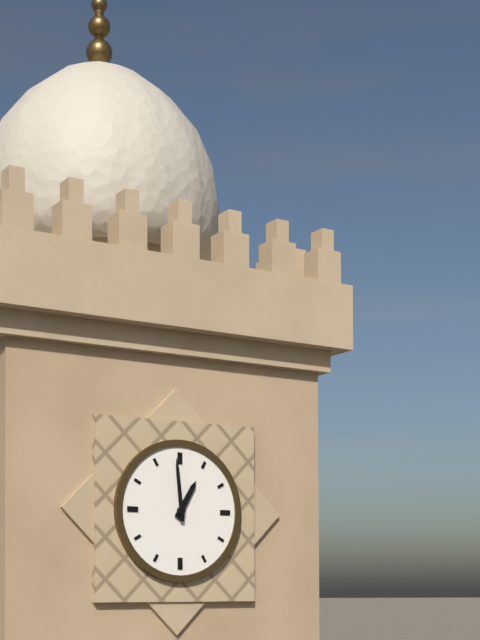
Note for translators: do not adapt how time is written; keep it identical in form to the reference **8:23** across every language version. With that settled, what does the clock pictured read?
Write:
**12:59**
